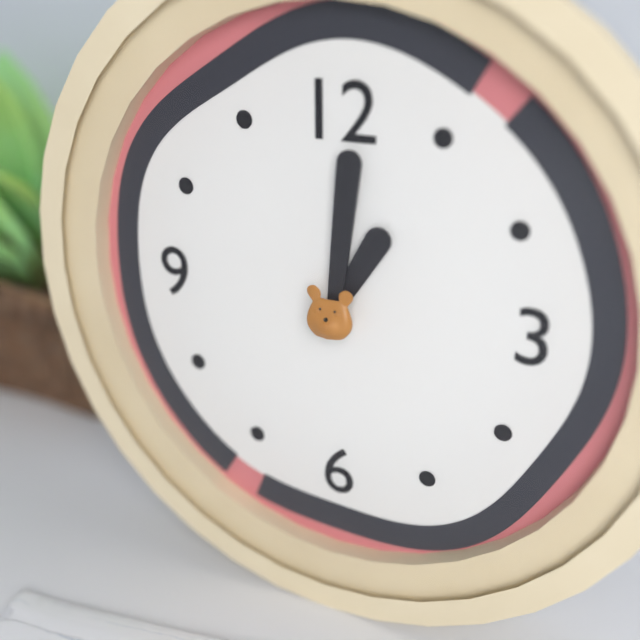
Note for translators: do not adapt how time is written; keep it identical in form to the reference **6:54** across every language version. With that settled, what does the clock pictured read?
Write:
**1:01**
